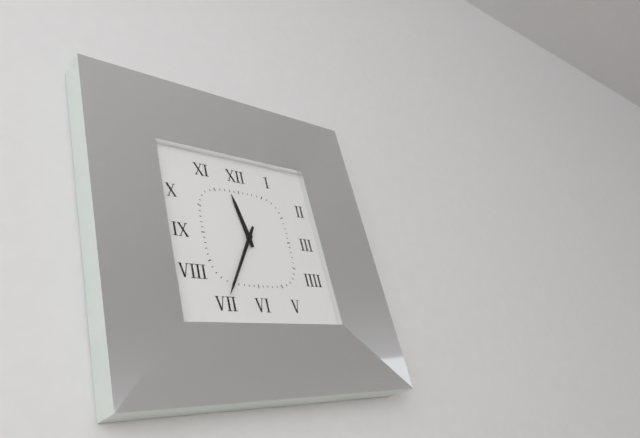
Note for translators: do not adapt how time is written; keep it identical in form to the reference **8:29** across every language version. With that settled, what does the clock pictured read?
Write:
**11:35**
